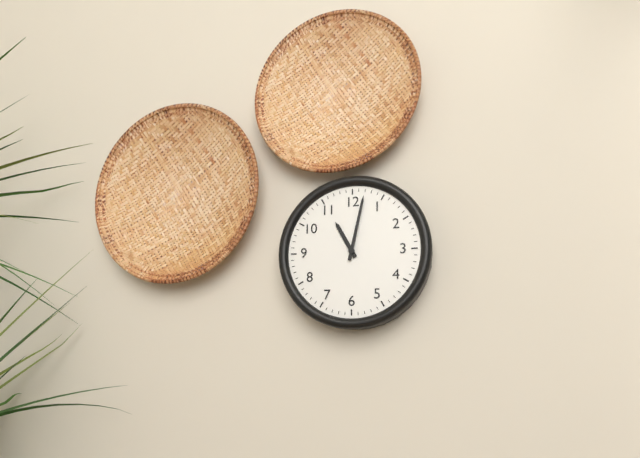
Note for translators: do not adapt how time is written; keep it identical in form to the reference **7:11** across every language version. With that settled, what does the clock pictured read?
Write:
**11:02**
